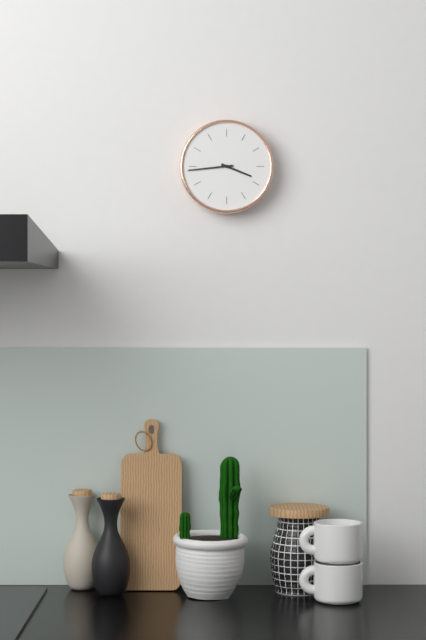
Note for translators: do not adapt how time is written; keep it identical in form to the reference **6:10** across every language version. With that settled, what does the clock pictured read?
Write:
**3:44**
